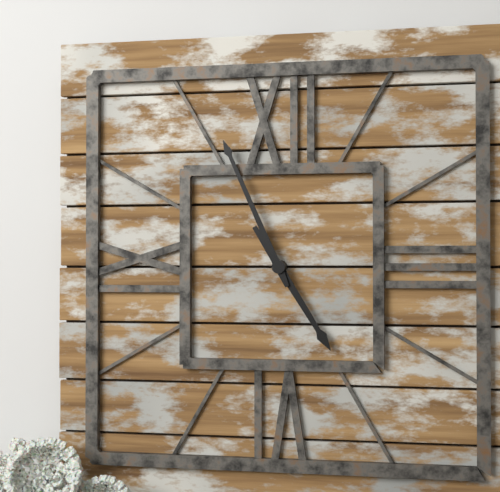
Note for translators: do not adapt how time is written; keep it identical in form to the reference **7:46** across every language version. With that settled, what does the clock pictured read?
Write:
**4:56**
